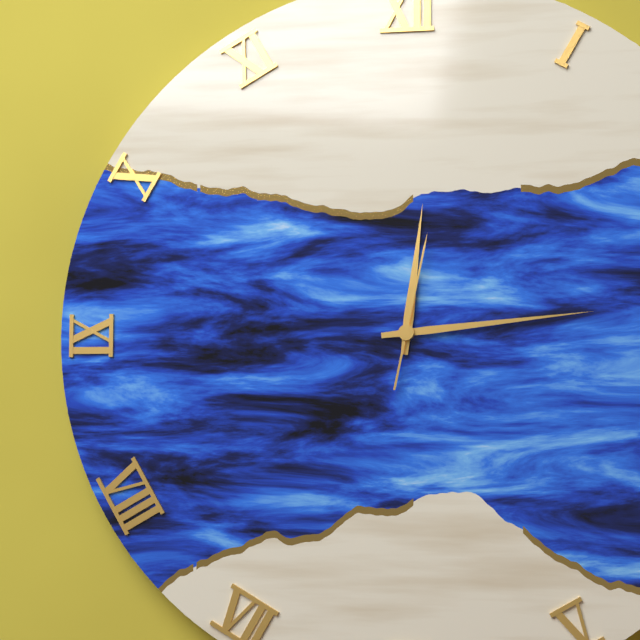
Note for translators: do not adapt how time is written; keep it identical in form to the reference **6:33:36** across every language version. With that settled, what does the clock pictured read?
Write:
**12:14:02**
